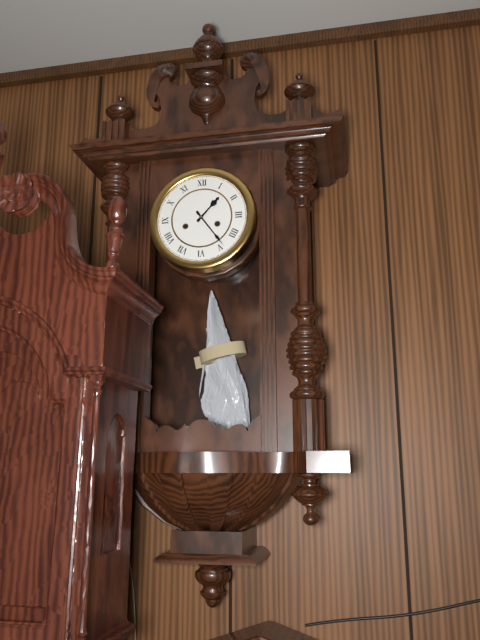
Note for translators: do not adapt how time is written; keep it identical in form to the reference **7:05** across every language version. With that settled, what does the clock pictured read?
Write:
**1:24**
